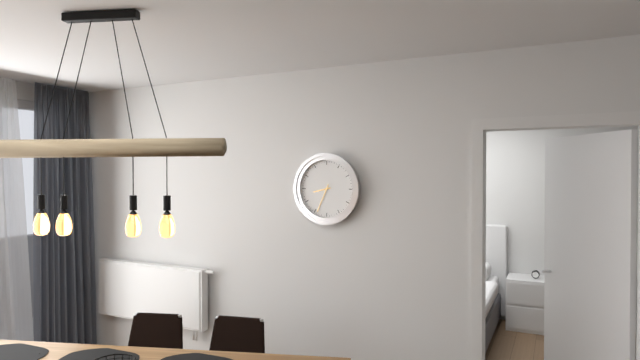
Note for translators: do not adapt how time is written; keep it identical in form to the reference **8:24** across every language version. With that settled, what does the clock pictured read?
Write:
**8:34**
